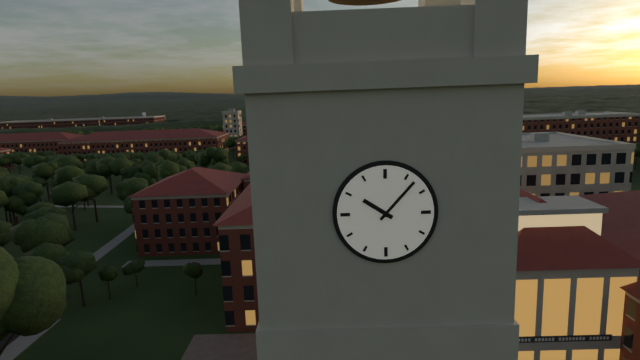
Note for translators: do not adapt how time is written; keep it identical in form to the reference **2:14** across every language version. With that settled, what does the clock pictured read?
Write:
**10:07**
